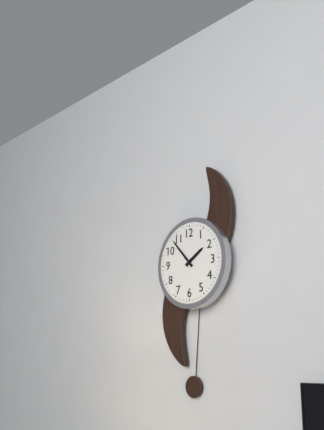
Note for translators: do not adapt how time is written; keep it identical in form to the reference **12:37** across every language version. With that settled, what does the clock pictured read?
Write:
**1:53**
